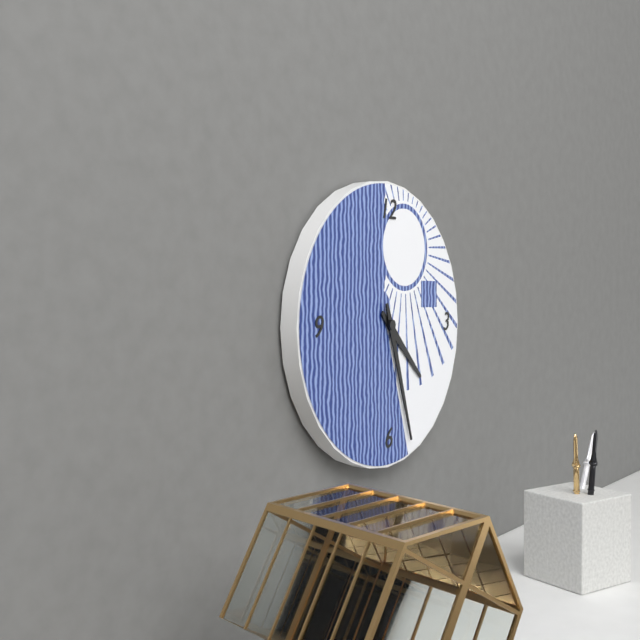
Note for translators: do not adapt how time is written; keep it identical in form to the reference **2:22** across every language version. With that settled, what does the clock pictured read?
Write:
**4:27**
